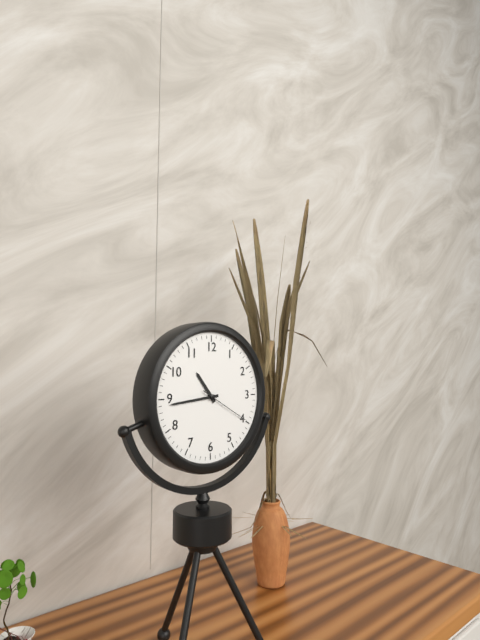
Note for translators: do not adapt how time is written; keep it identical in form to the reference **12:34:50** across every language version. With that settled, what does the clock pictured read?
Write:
**10:44:20**
